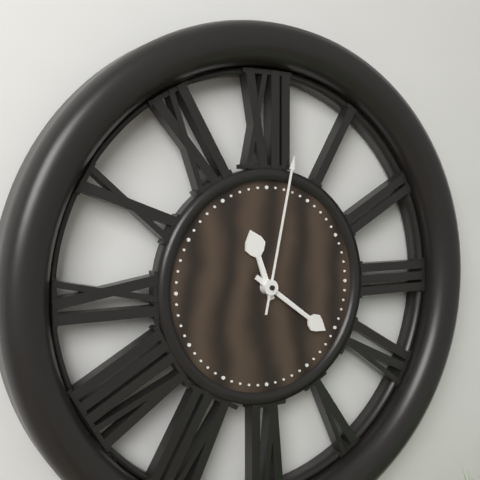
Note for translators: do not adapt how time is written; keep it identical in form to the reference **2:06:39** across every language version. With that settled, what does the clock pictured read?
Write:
**11:21:02**
